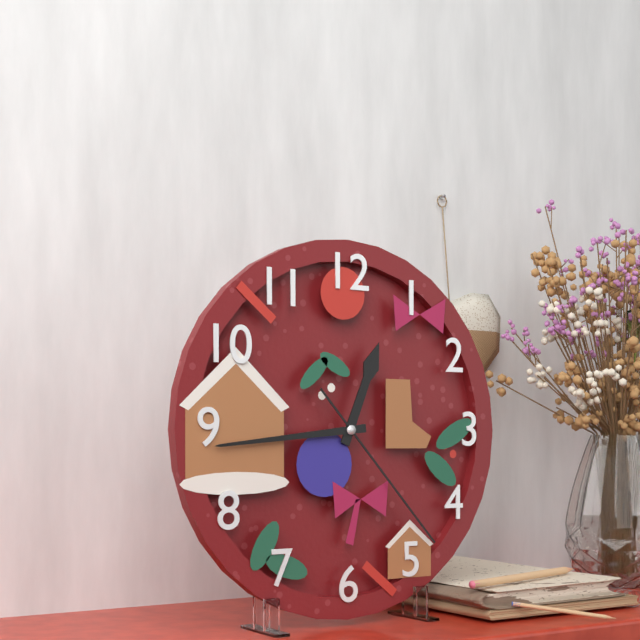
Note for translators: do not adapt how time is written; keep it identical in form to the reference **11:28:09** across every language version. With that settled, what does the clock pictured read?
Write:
**12:44:23**
